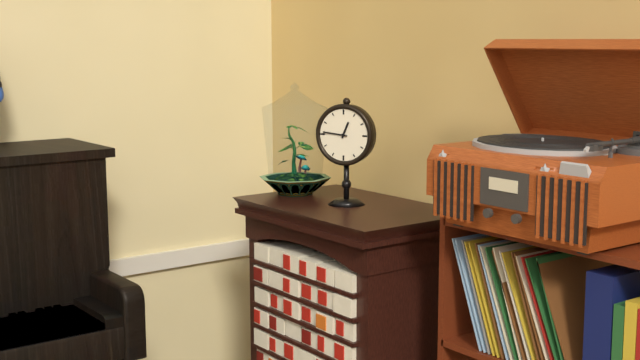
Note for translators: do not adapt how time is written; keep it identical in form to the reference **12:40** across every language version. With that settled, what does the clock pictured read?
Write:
**12:46**
